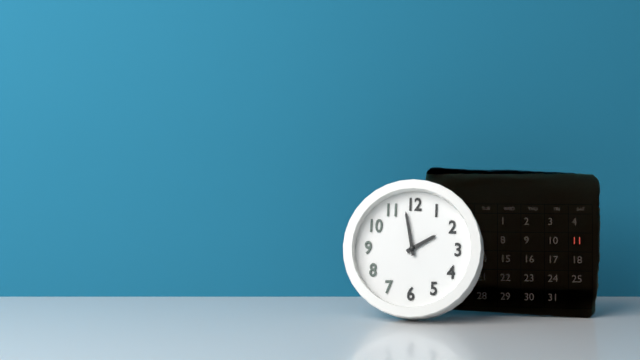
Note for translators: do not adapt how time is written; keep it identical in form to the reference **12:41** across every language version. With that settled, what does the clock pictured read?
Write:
**1:58**
